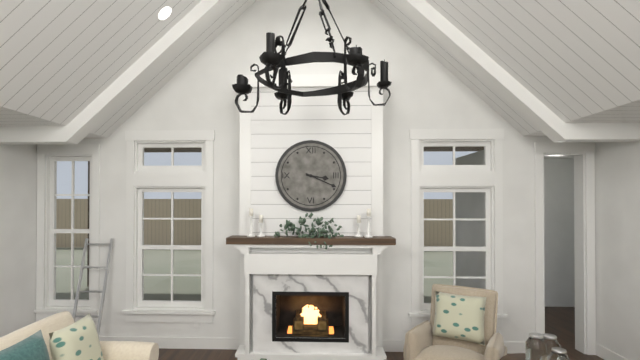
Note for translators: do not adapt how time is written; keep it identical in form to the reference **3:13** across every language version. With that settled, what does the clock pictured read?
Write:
**3:19**
